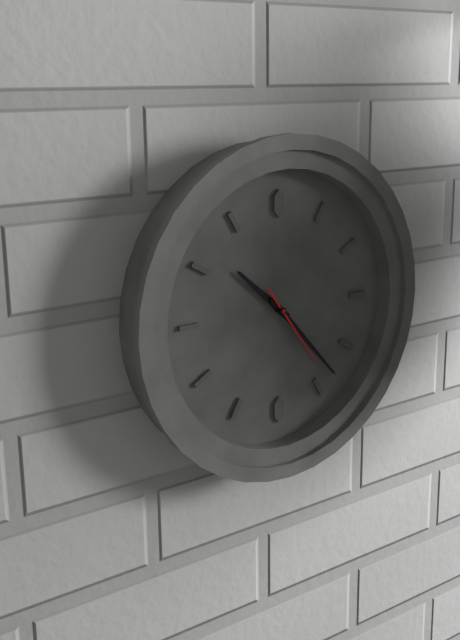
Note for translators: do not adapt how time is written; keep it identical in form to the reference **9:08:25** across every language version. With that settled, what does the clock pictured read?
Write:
**10:23:24**
